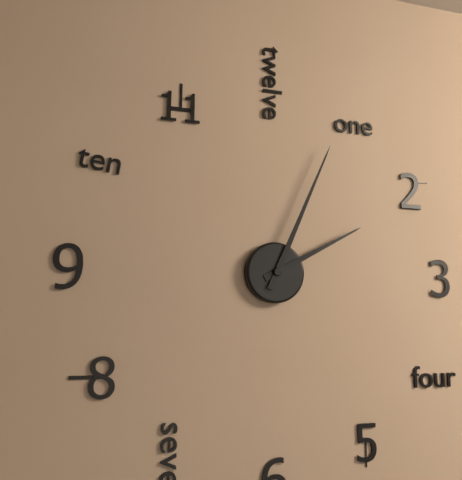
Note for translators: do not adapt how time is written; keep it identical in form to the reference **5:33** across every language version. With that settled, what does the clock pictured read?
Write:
**2:04**
